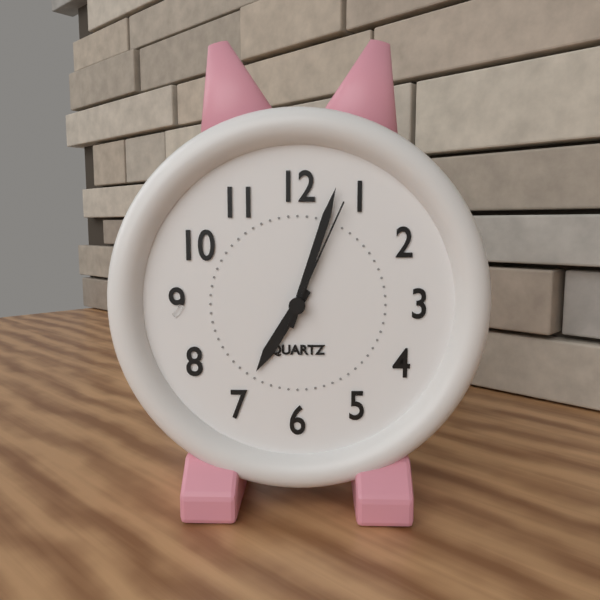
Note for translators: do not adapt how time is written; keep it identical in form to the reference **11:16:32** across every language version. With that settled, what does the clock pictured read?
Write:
**7:03:04**
